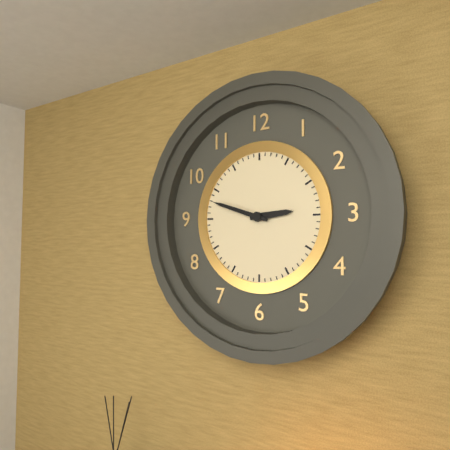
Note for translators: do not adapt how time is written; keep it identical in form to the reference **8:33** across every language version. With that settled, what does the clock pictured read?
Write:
**2:48**
